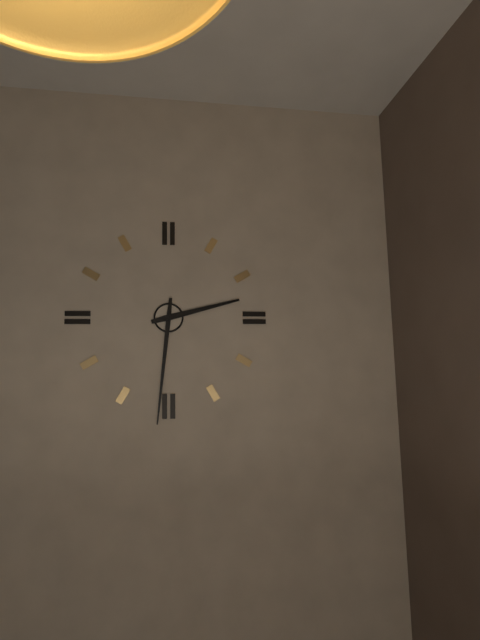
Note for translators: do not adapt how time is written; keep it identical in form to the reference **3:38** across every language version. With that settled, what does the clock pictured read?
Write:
**2:31**
